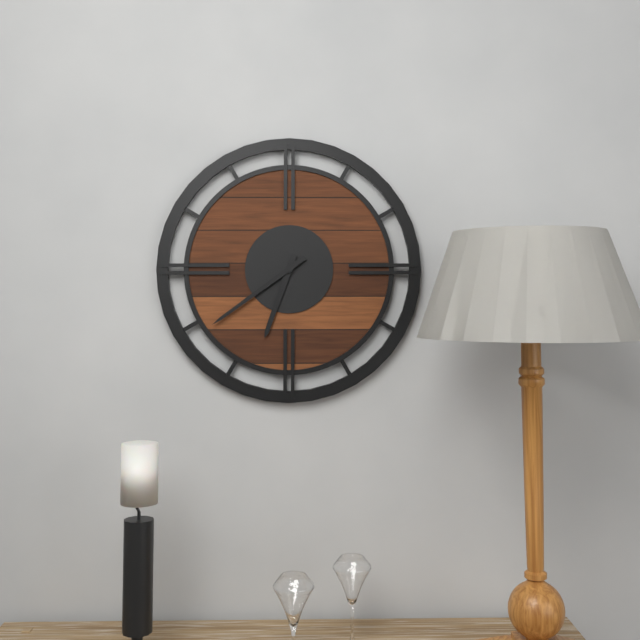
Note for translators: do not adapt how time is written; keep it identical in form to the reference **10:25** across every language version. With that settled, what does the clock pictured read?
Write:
**6:39**
